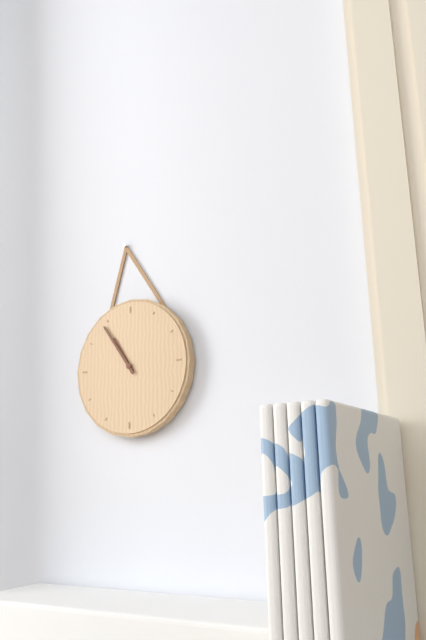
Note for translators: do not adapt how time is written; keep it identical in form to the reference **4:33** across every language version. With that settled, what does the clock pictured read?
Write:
**10:54**
